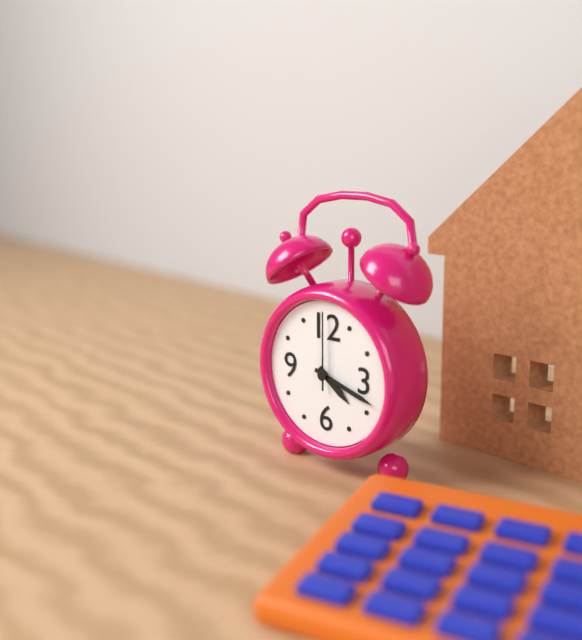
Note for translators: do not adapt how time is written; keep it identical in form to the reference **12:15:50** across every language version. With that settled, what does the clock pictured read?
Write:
**4:18:00**
